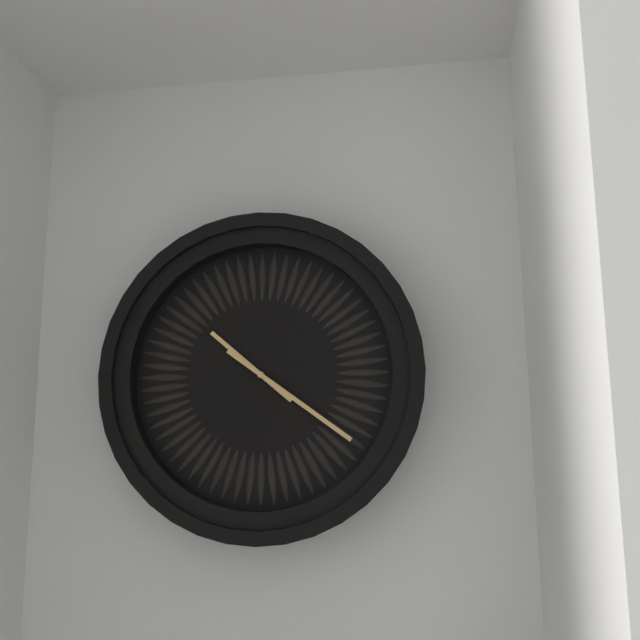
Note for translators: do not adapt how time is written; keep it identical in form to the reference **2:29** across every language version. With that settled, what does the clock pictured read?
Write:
**10:21**
